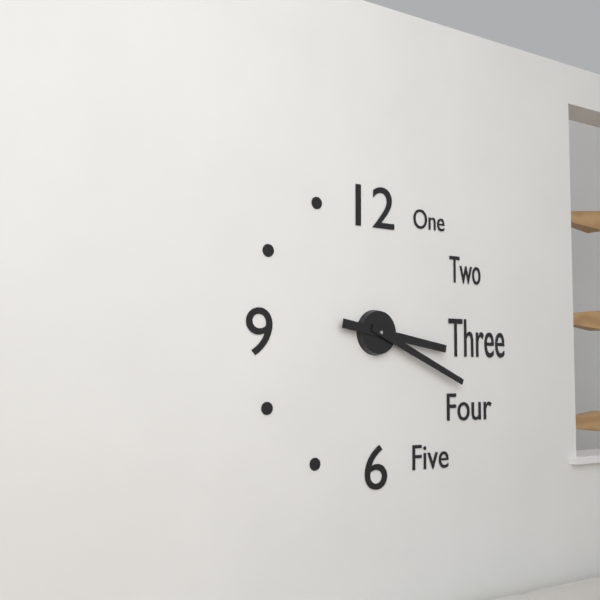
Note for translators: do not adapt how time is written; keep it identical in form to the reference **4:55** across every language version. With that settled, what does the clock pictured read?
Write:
**3:19**
